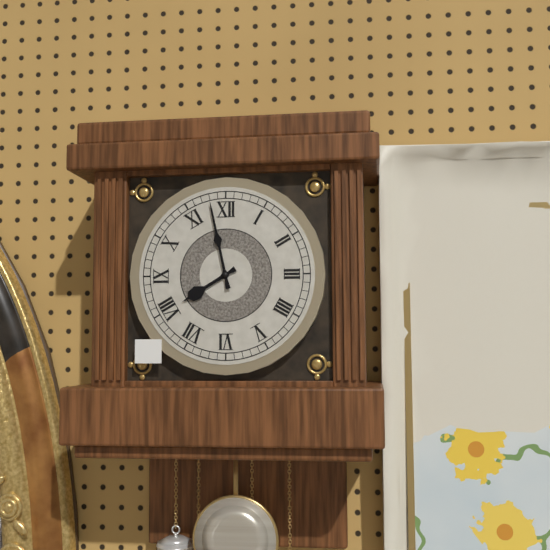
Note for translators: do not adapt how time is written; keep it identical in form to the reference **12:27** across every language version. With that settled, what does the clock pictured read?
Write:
**7:58**
